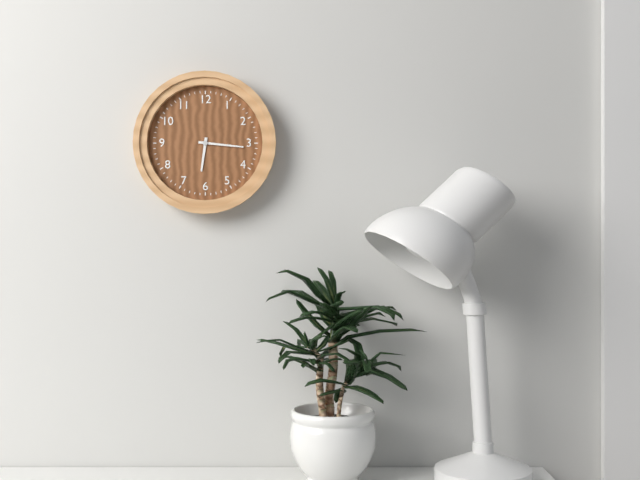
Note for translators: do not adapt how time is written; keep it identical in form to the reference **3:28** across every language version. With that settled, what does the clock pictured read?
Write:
**6:16**
